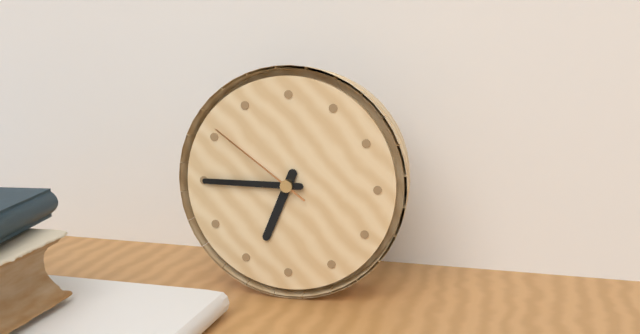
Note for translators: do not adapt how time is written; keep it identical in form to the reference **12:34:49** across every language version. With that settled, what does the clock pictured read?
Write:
**6:45:51**
